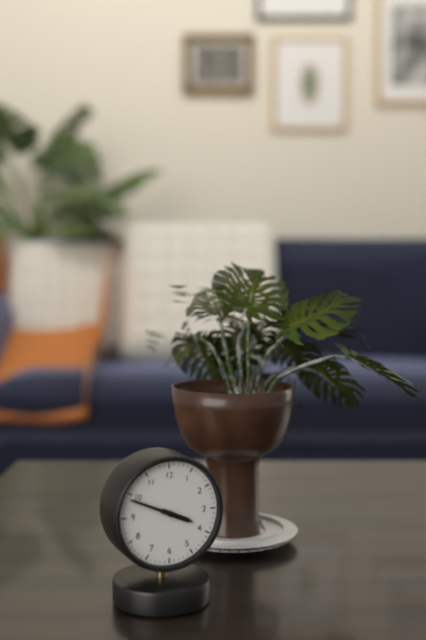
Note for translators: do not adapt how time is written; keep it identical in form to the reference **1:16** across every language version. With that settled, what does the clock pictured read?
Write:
**3:49**
